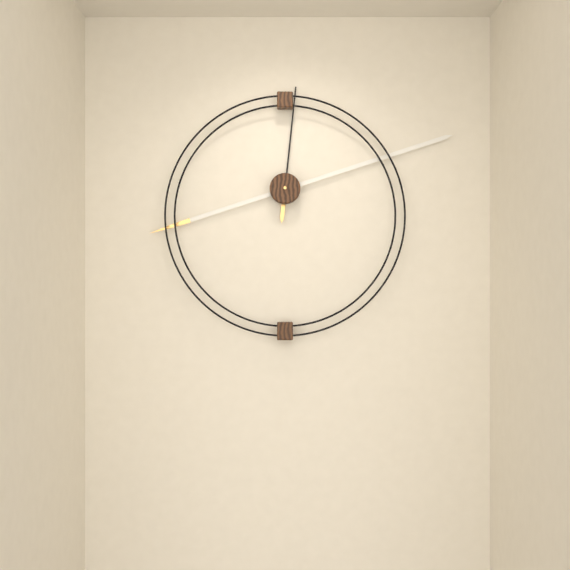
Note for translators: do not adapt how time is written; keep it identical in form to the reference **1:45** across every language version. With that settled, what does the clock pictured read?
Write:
**12:12**
